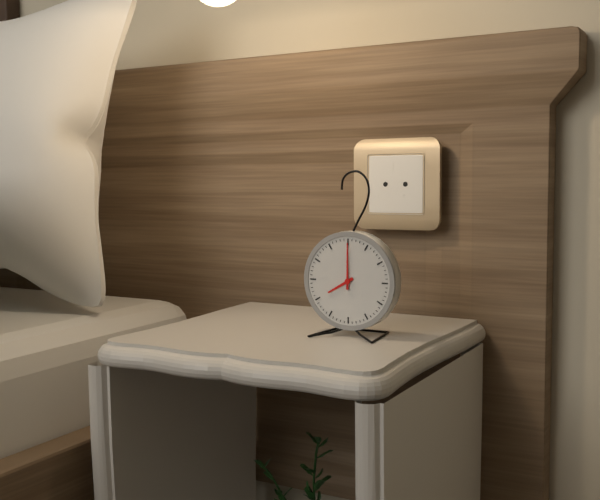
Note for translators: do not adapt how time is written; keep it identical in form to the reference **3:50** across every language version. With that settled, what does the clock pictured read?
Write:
**8:00**
